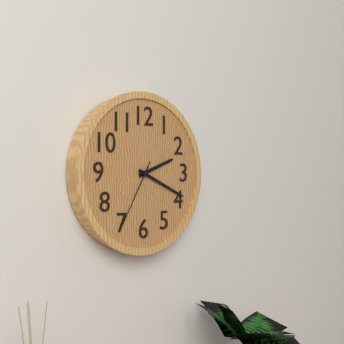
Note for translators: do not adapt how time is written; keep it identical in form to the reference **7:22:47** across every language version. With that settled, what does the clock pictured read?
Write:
**2:19:35**
